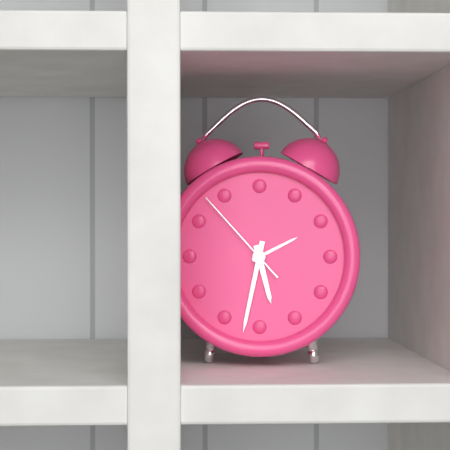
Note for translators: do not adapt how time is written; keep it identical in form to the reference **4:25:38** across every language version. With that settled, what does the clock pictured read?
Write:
**5:32:53**
